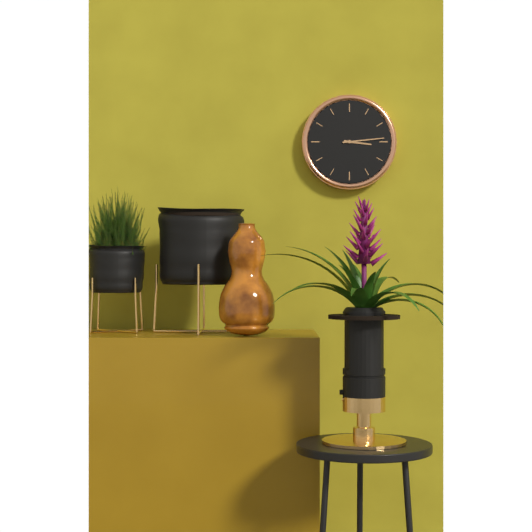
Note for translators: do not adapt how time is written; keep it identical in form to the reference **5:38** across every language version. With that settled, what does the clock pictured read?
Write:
**3:14**
